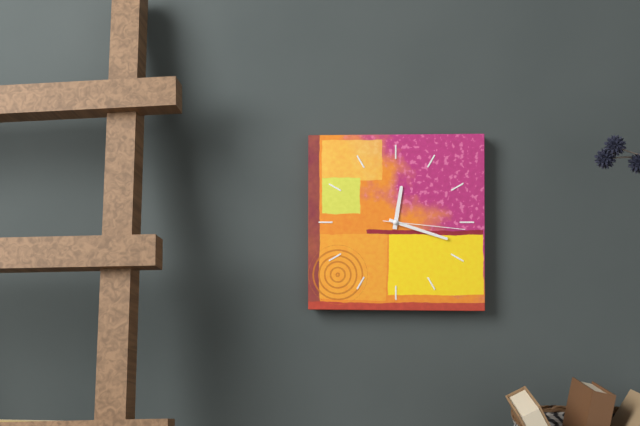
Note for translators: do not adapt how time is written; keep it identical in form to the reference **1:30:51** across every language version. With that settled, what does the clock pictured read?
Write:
**12:18:16**
